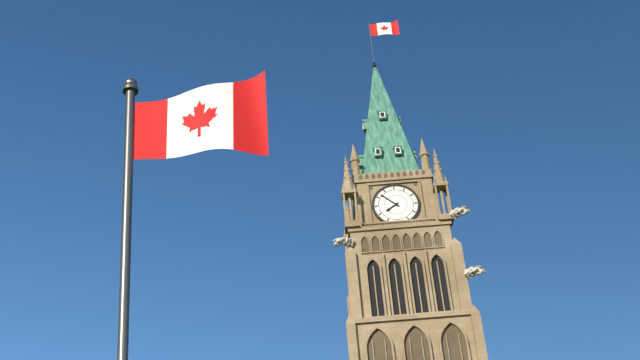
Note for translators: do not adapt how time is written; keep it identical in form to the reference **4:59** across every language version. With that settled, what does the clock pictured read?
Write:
**7:52**
